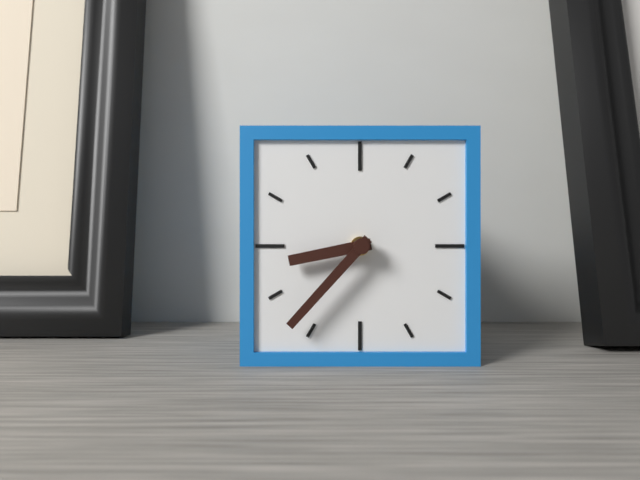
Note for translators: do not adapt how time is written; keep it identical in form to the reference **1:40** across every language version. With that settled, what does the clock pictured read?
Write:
**8:37**
